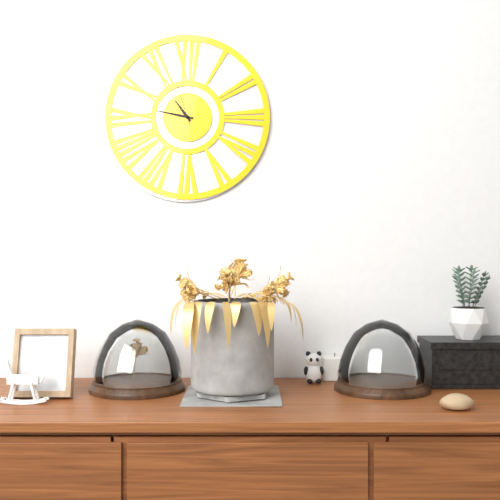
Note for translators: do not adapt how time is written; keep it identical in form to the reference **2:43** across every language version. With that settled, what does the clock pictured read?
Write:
**10:47**
